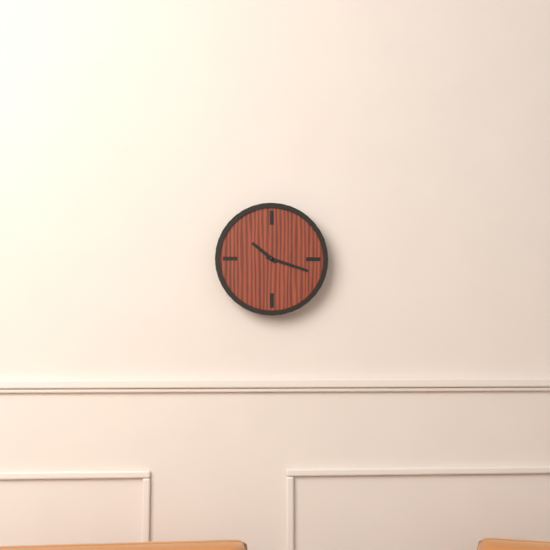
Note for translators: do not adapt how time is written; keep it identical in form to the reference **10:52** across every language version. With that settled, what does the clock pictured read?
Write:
**10:18**
